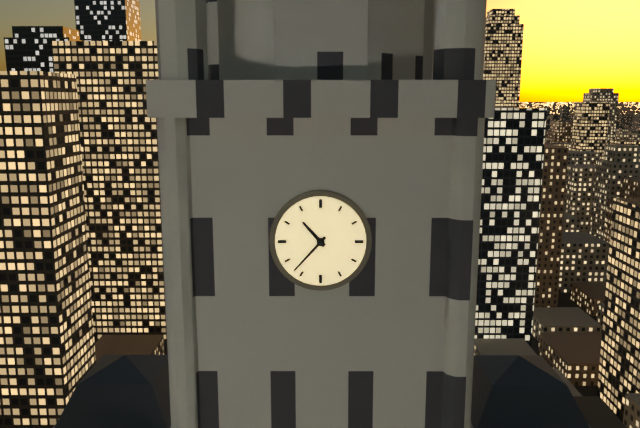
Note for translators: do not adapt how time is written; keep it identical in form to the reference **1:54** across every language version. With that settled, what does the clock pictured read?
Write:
**10:37**
